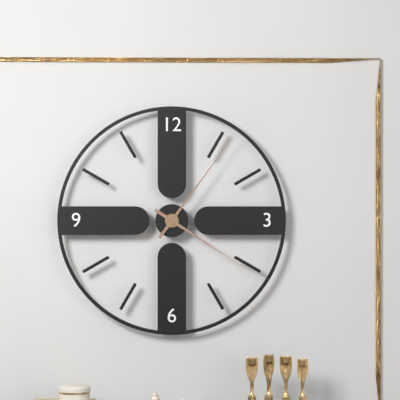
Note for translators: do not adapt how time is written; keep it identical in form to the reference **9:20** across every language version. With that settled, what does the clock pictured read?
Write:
**4:06**
